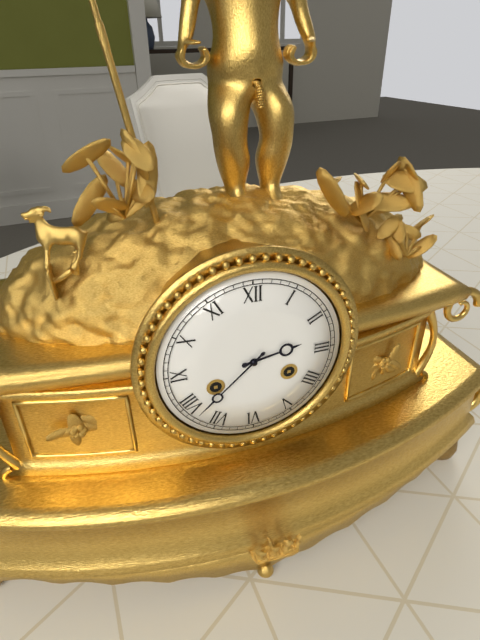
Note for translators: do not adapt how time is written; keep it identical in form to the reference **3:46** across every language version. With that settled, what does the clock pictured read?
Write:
**2:38**
